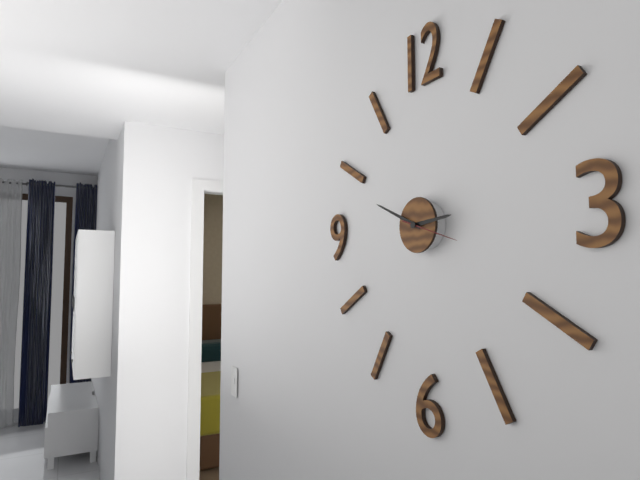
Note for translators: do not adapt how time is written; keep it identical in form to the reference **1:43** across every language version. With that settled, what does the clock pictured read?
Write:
**2:49**
